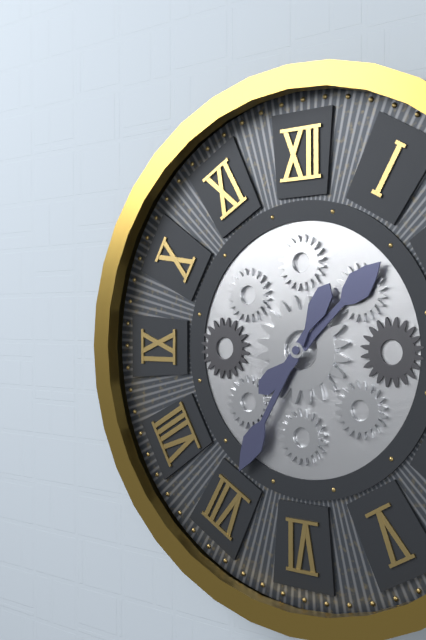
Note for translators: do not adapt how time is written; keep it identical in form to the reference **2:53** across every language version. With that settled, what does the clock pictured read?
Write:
**1:35**
